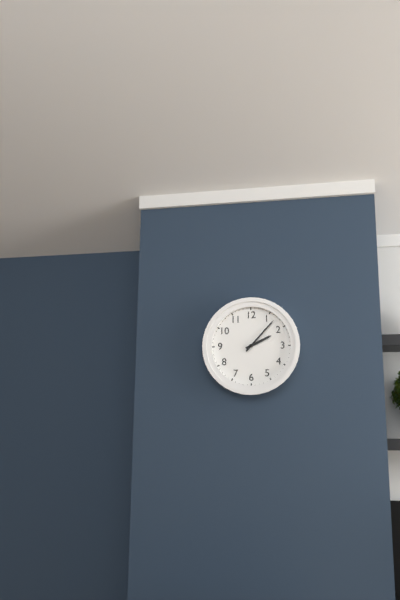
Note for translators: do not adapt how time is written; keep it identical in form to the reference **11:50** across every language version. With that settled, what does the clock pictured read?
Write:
**2:07**
